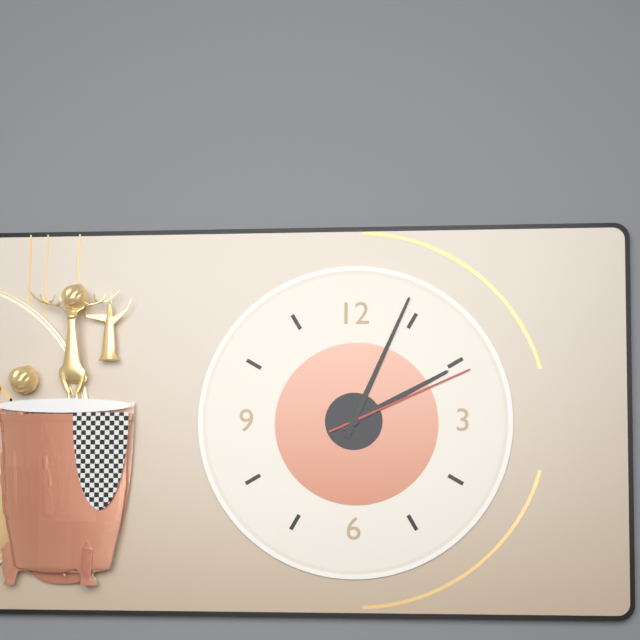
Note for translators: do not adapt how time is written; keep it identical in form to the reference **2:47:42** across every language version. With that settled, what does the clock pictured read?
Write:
**2:04:11**
